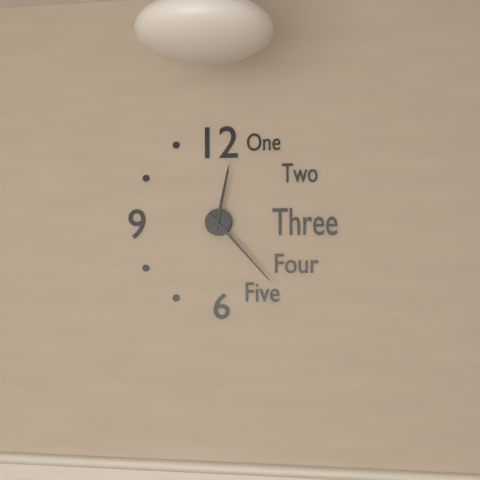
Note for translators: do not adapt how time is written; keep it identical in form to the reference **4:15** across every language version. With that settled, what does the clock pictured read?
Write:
**12:23**
